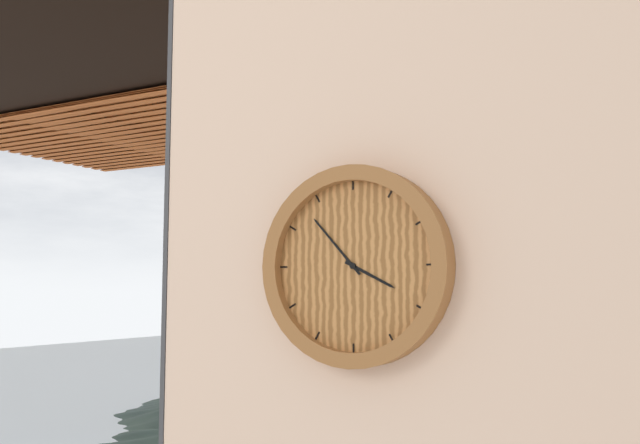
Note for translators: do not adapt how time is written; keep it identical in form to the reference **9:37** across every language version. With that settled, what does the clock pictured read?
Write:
**3:53**
